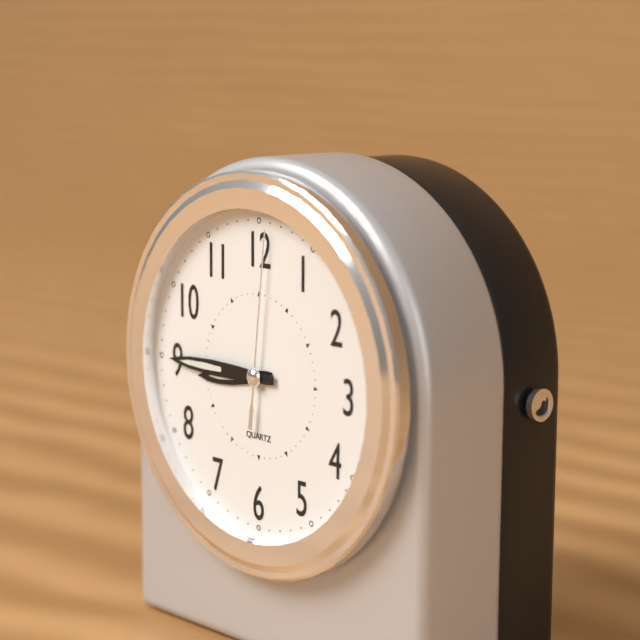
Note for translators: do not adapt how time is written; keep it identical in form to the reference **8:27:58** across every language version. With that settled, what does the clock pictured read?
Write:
**8:45:01**
